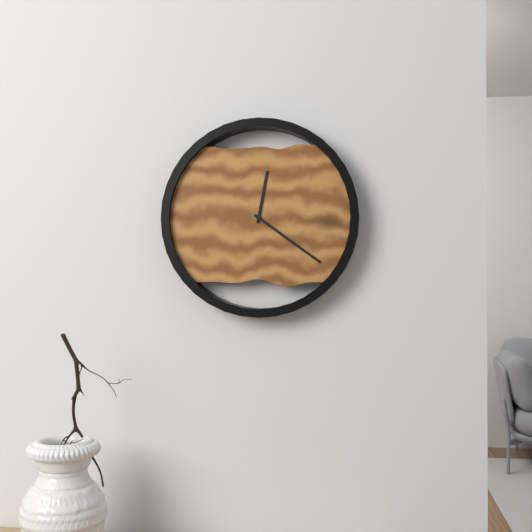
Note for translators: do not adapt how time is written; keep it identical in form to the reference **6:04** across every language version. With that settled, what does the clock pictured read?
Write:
**12:21**
